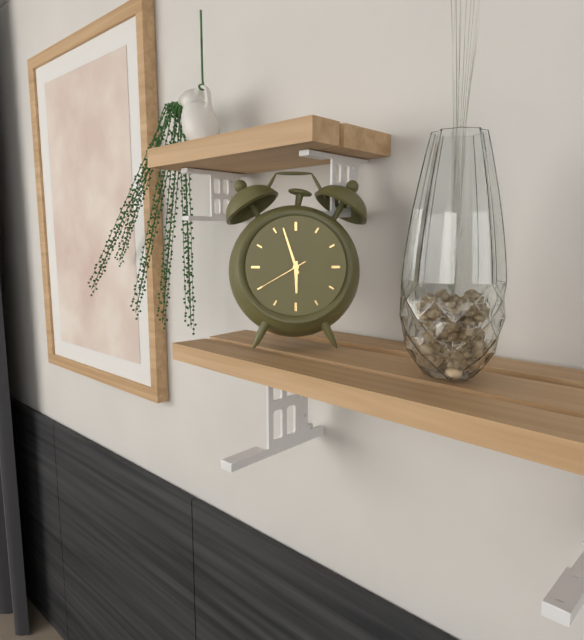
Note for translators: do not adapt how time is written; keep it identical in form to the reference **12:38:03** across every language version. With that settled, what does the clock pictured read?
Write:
**5:57:40**
